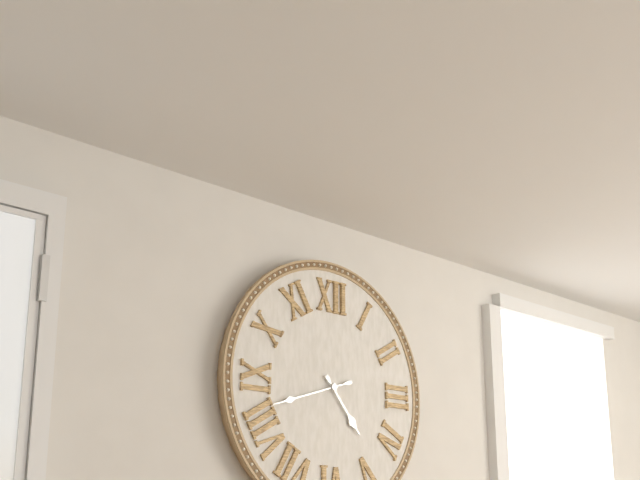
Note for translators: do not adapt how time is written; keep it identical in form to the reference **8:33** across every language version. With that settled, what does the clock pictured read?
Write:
**4:42**
